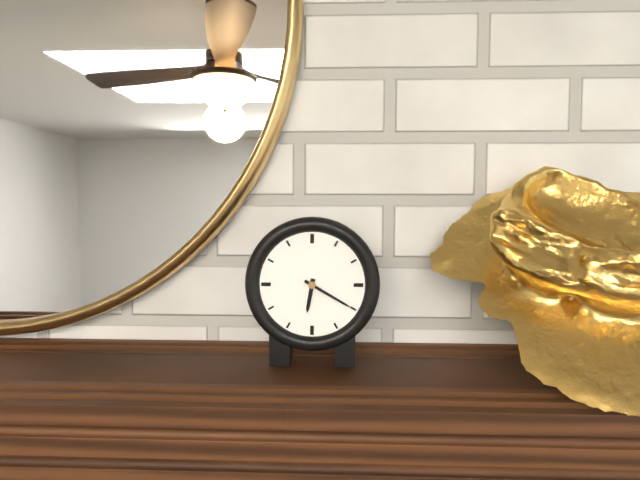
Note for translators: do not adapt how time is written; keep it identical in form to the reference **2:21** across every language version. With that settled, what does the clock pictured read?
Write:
**6:20**
